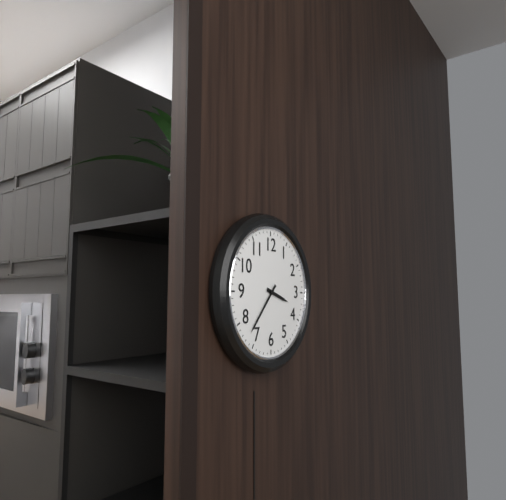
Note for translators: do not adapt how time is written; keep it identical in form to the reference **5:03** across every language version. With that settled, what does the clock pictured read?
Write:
**3:37**
